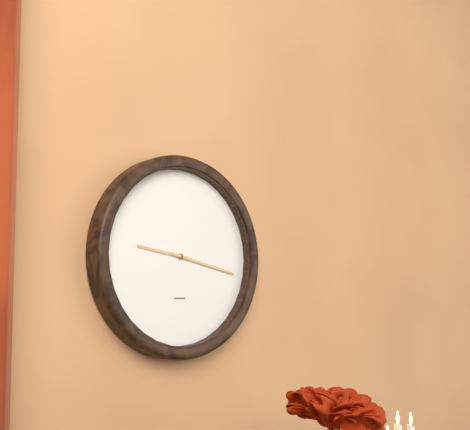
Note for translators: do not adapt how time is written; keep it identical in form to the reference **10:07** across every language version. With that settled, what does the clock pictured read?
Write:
**9:17**
